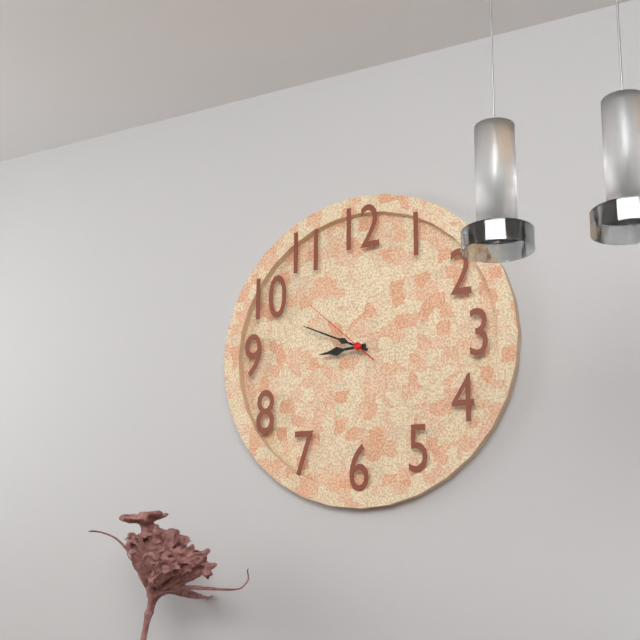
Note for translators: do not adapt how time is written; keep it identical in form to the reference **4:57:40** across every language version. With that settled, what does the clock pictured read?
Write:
**8:49:52**
